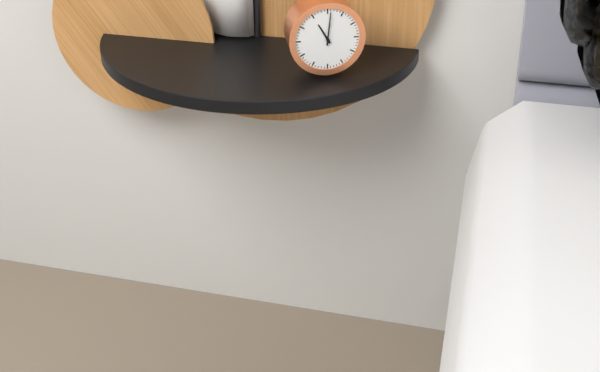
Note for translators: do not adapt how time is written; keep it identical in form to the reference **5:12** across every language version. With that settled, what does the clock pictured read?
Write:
**11:01**
